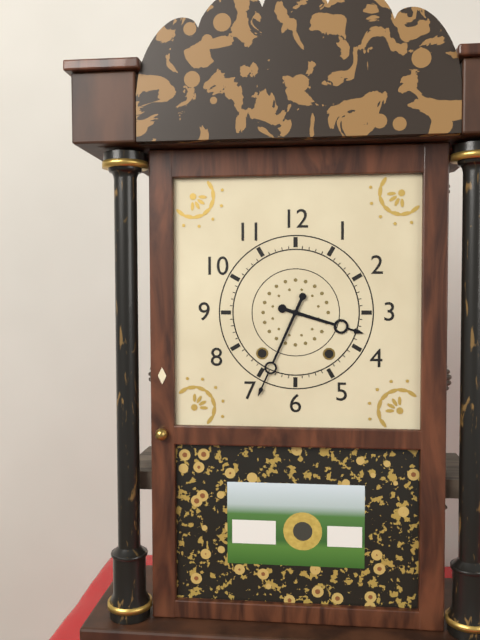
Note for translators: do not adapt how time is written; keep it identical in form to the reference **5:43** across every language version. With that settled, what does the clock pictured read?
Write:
**3:34**
